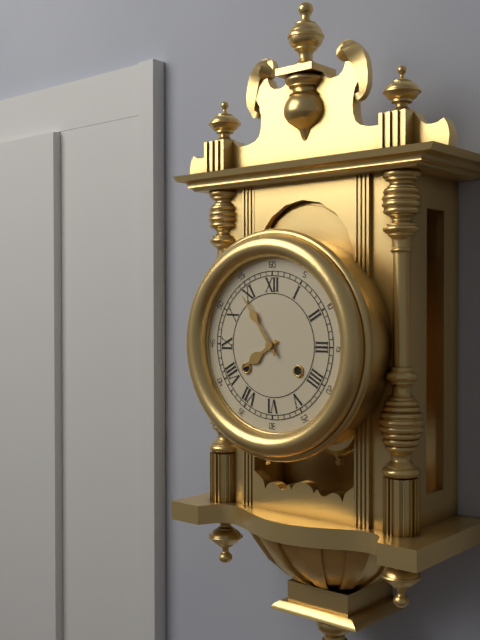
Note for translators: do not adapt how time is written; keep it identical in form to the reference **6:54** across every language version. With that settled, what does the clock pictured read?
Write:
**7:54**
